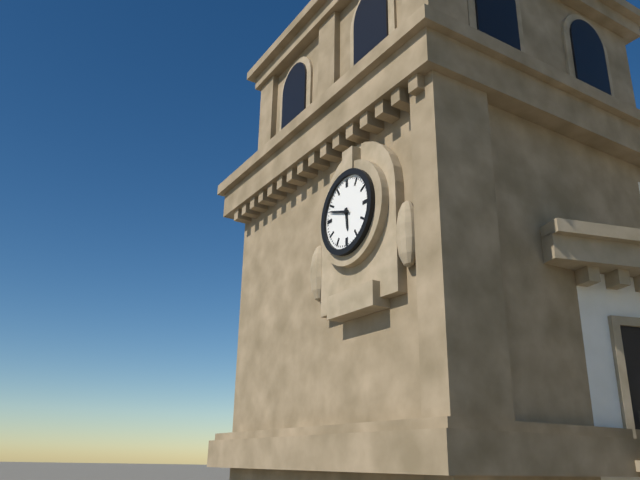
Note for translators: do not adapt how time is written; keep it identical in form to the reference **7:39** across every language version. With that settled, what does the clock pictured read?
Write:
**5:48**
